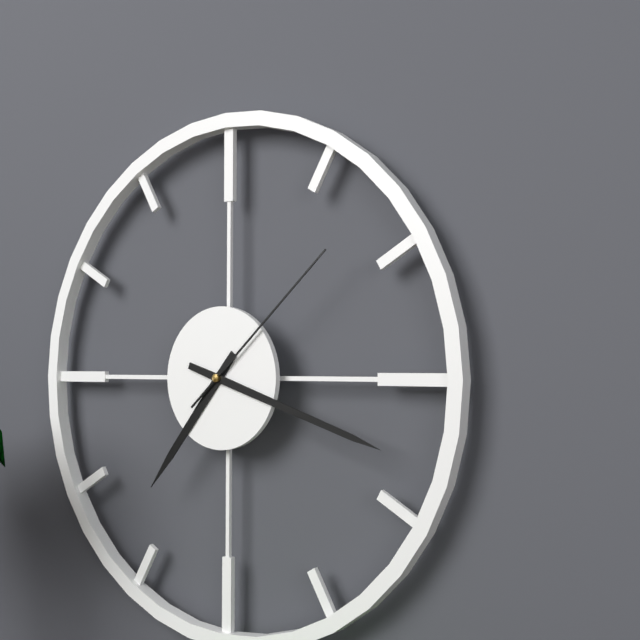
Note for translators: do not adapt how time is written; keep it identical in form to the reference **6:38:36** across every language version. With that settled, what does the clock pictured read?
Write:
**7:18:08**
